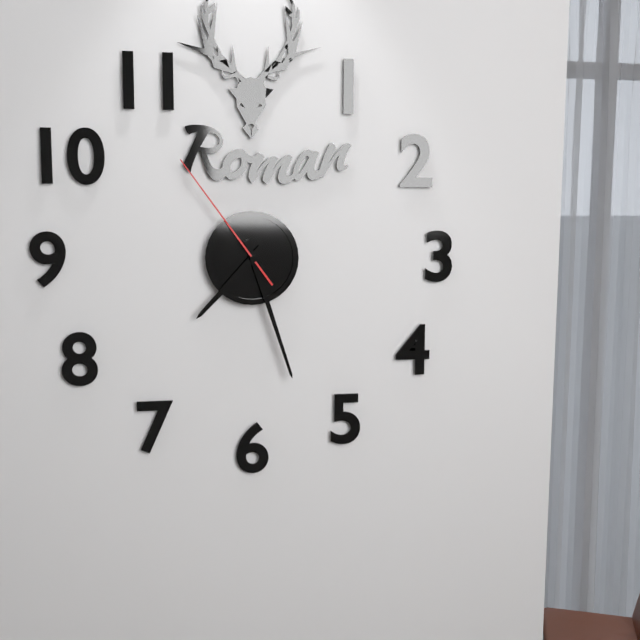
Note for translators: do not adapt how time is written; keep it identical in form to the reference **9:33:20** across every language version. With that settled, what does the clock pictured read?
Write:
**7:27:54**
